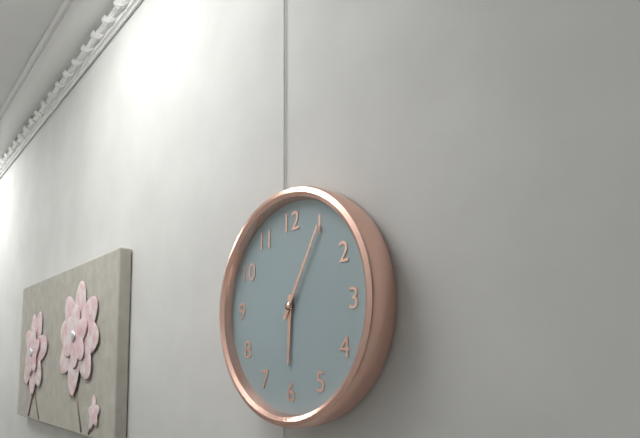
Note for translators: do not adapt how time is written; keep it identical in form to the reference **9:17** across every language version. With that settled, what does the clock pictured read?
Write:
**6:05**
